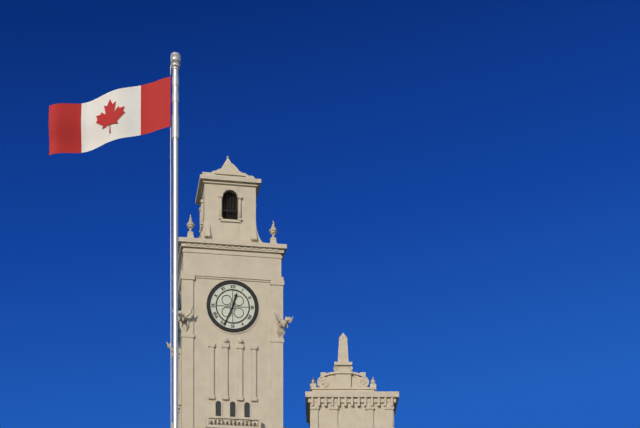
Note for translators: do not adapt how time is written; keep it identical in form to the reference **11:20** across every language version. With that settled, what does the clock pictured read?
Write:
**12:34**
